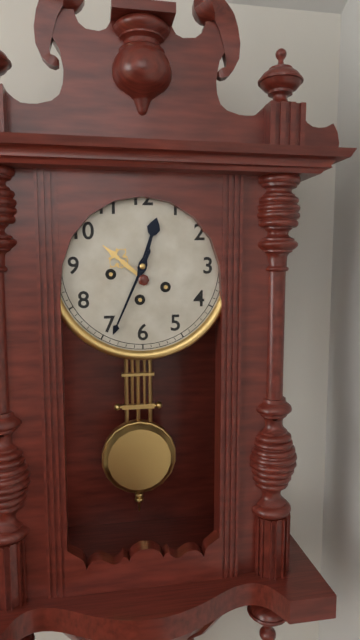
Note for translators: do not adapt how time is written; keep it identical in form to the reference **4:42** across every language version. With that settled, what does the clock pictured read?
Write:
**12:34**
